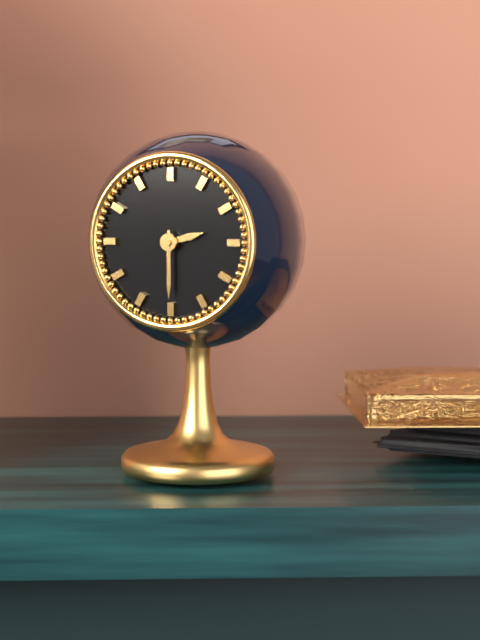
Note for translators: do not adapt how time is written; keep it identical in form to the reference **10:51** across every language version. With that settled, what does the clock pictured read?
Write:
**2:30**
